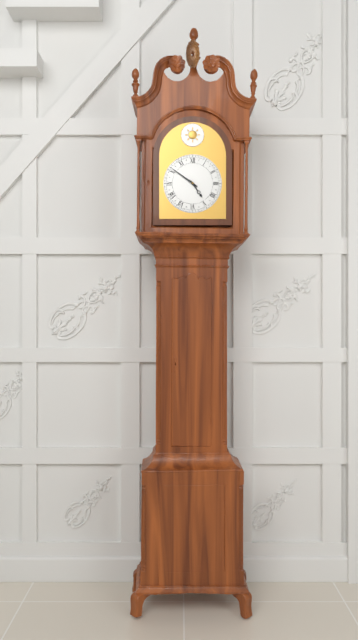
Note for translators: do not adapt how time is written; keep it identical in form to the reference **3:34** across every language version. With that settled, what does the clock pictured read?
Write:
**4:51**
